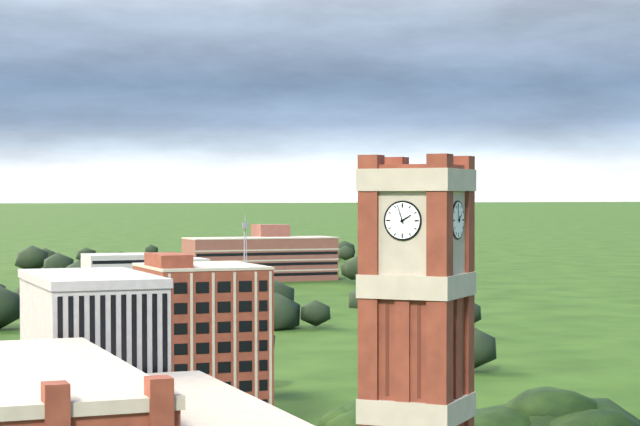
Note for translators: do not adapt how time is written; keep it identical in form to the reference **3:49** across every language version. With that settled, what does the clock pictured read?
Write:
**1:57**
